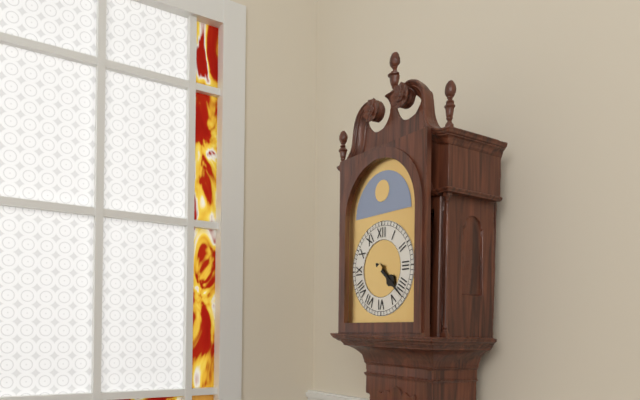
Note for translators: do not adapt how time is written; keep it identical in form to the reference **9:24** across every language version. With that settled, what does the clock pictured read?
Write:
**4:22**
